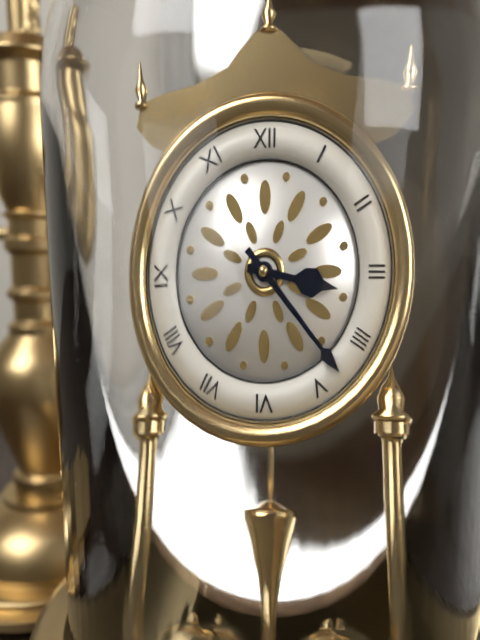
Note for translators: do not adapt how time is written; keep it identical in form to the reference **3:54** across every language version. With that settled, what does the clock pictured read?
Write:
**3:23**
